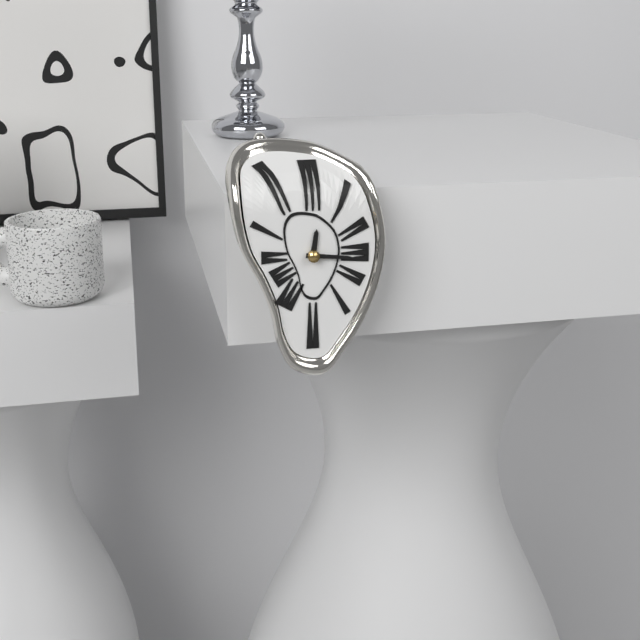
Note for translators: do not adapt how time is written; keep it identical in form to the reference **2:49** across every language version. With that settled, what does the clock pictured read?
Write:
**12:16**
